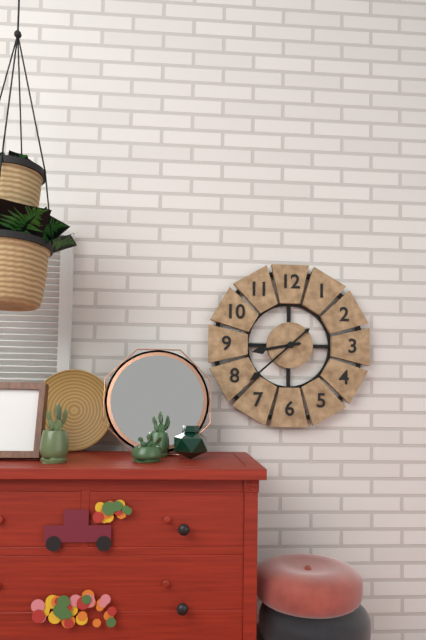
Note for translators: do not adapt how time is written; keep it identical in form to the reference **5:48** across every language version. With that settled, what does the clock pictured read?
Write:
**8:38**
